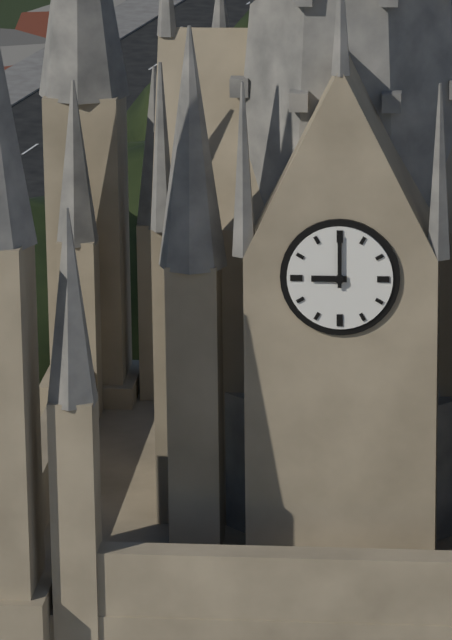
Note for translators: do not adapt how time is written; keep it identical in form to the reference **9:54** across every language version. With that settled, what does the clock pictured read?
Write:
**9:00**
